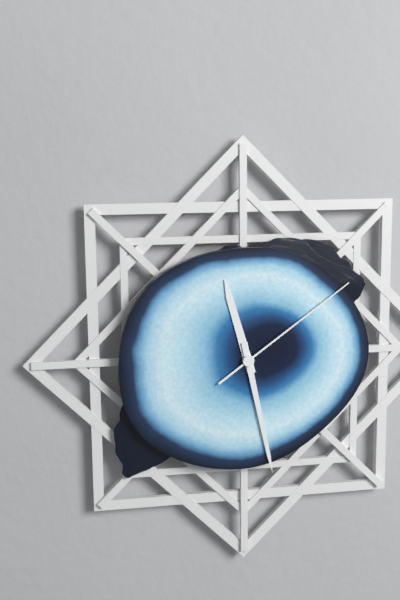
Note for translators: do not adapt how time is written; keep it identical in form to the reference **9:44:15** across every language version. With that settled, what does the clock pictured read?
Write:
**11:28:09**
